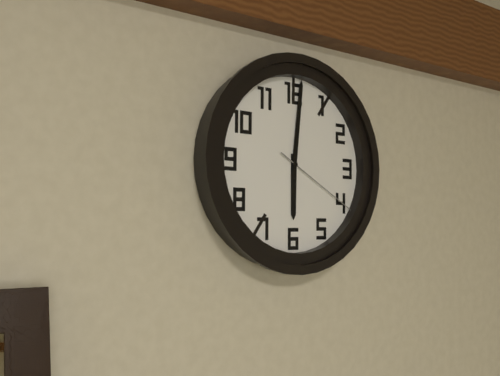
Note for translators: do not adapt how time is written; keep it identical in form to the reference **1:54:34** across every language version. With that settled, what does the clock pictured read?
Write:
**6:01:20**
